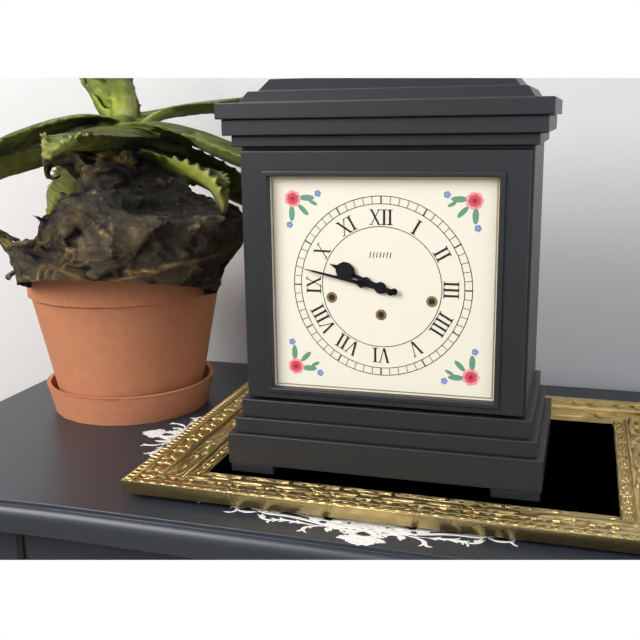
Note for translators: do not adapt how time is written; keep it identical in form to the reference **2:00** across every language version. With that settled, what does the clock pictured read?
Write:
**9:47**
